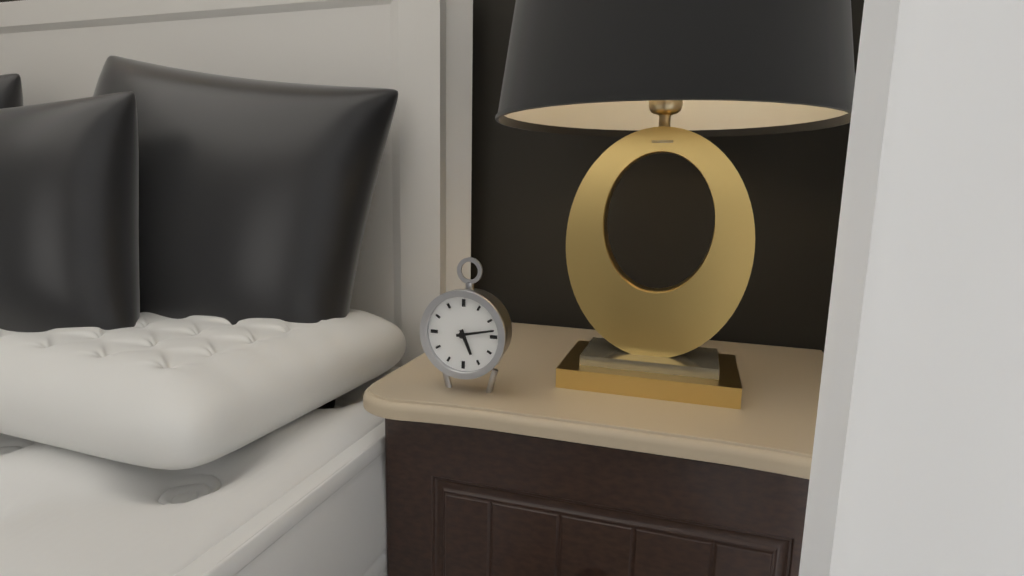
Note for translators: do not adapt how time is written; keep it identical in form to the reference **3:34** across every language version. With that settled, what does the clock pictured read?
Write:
**5:13**
